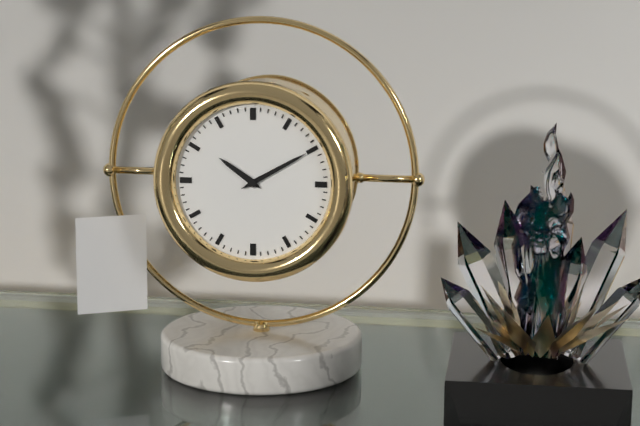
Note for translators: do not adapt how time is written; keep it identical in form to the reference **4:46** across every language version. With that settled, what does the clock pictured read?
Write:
**10:10**
